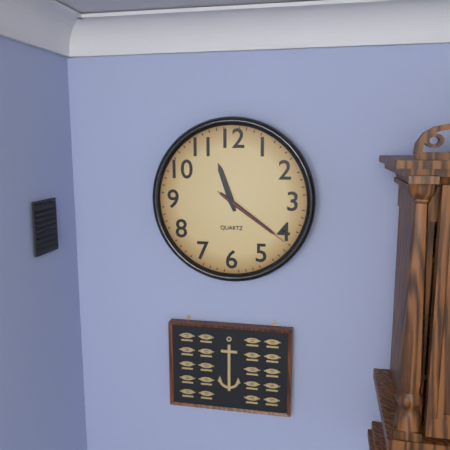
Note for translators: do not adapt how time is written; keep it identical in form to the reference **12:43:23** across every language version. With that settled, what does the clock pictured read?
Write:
**11:21:21**
